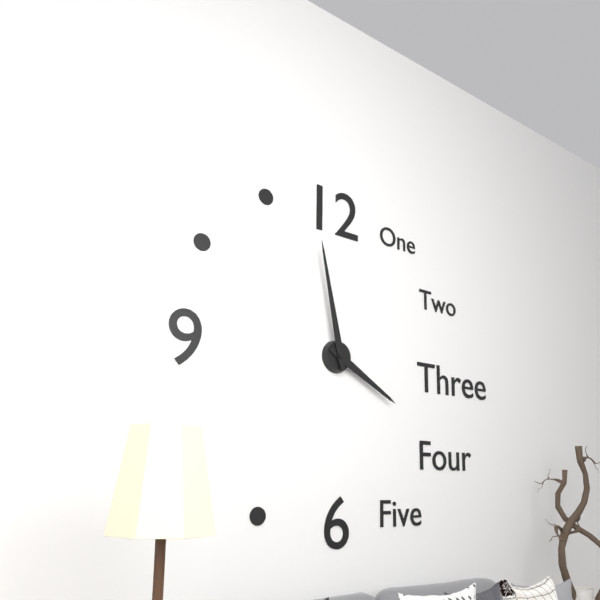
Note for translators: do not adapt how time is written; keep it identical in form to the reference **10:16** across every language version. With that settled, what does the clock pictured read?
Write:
**3:58**
